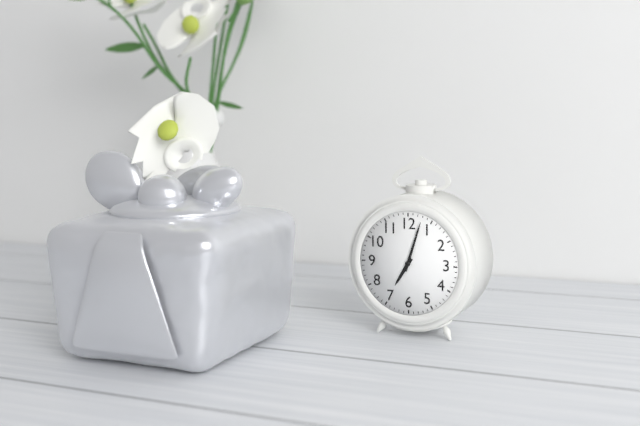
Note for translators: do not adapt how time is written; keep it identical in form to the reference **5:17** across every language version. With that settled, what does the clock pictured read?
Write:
**7:03**
